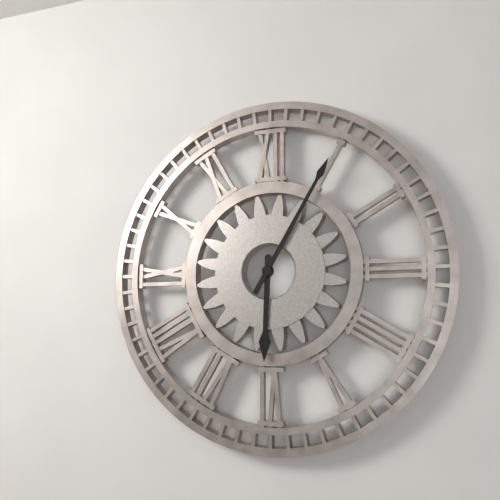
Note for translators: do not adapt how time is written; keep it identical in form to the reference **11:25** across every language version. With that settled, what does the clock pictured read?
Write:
**6:05**
